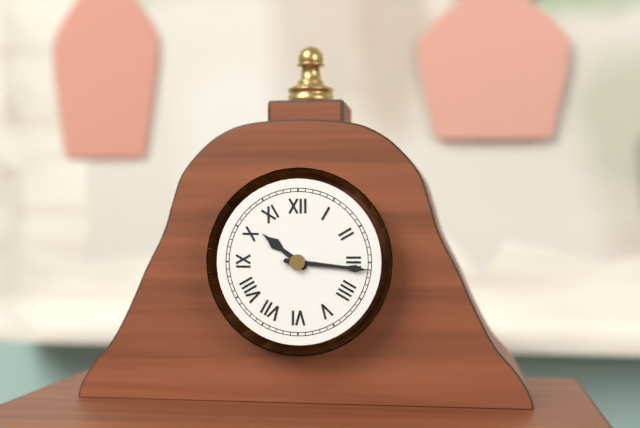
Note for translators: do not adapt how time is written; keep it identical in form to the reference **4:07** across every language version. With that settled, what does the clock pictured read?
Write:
**10:16**
